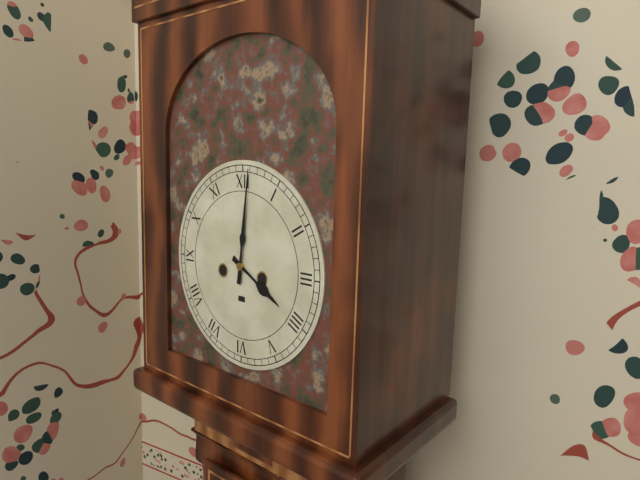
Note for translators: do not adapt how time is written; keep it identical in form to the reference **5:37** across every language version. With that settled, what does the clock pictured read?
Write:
**4:01**
